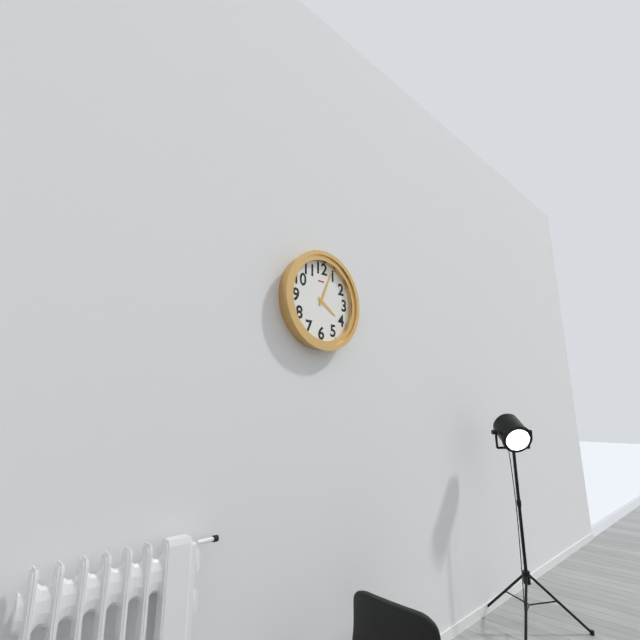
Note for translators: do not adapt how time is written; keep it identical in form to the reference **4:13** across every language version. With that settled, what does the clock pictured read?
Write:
**4:04**
